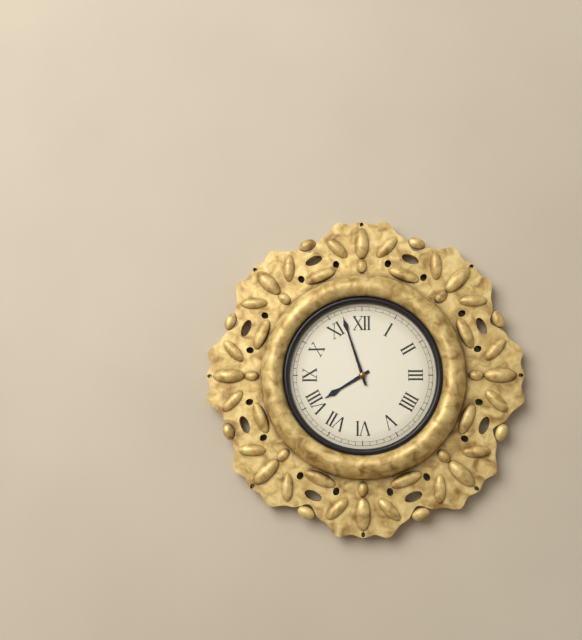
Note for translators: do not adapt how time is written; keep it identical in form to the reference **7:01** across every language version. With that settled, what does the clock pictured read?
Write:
**7:57**
